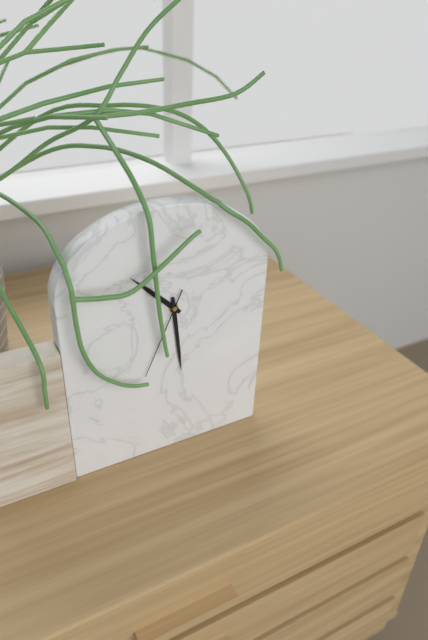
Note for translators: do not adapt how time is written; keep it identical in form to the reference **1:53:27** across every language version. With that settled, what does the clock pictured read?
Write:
**10:29:34**
